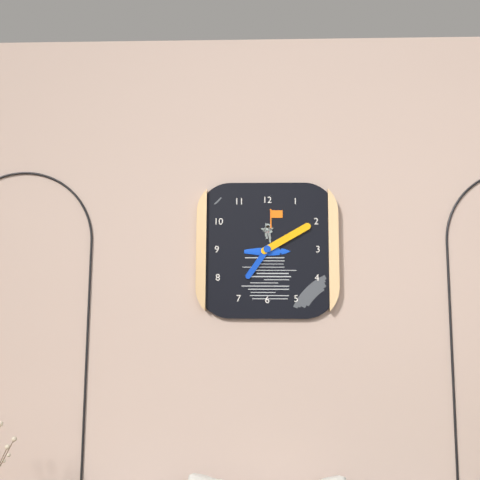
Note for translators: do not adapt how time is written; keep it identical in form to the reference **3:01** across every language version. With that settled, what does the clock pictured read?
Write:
**7:10**
